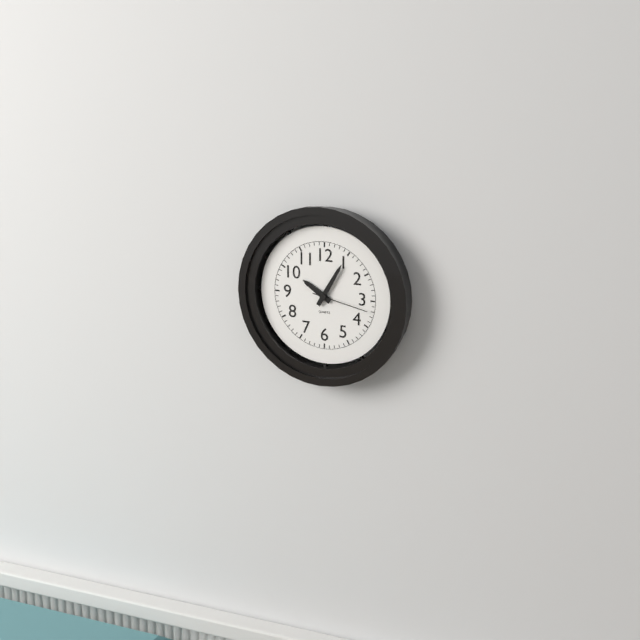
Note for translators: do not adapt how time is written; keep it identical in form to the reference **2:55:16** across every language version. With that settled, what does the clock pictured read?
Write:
**10:05:17**
